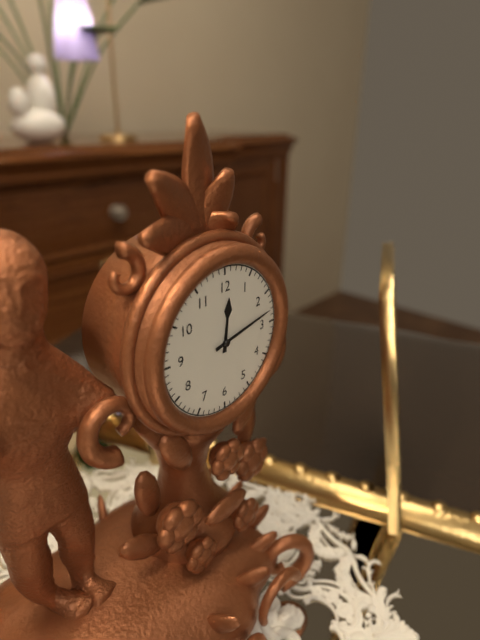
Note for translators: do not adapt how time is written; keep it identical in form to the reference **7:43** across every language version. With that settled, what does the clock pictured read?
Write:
**12:13**
